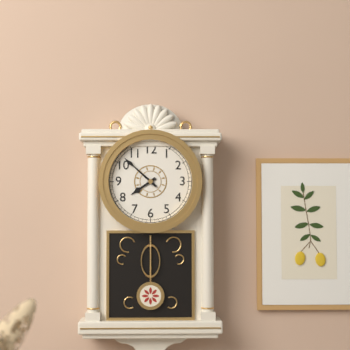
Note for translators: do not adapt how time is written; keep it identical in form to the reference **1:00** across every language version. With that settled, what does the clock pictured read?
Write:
**7:52**
